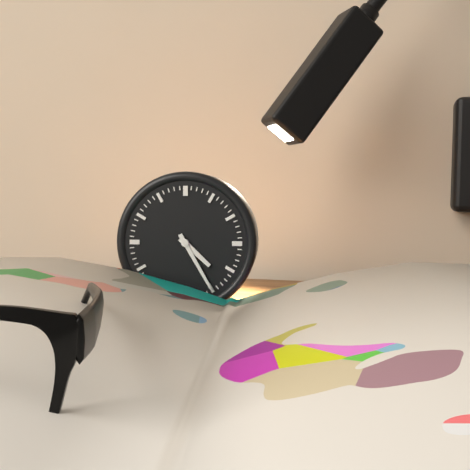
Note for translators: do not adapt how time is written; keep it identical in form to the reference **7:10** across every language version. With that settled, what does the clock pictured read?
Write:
**4:25**
